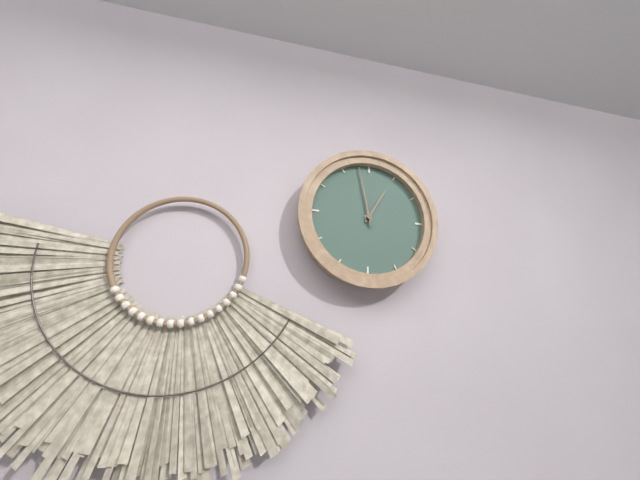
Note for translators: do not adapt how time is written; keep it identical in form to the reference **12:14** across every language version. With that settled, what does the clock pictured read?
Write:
**12:58**
